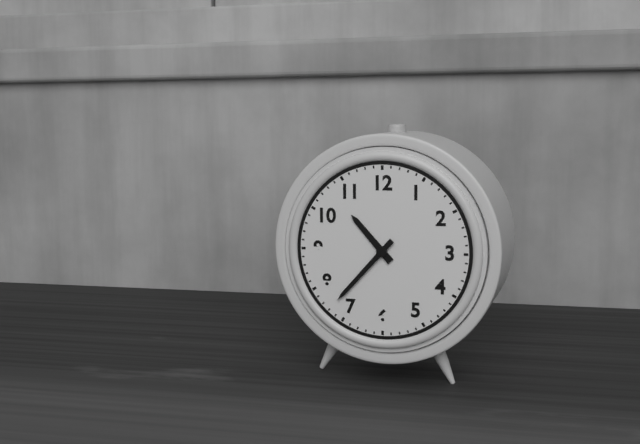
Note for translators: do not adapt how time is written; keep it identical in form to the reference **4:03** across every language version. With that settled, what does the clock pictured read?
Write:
**10:37**
